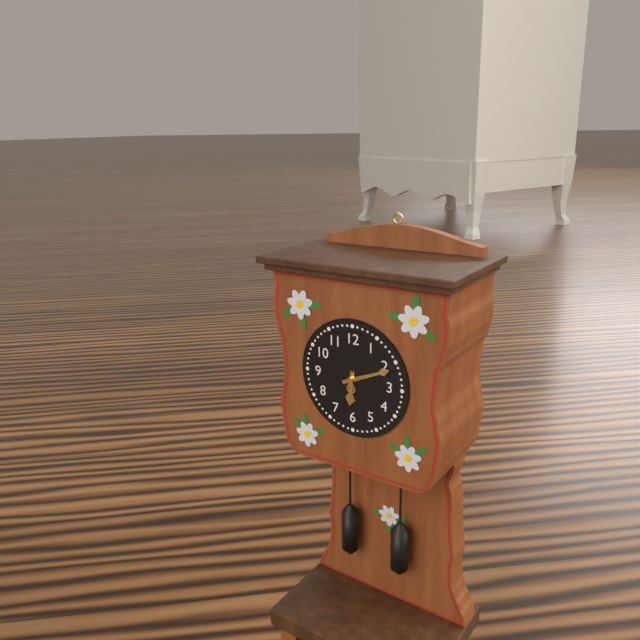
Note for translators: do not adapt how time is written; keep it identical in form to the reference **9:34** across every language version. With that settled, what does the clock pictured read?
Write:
**6:11**
